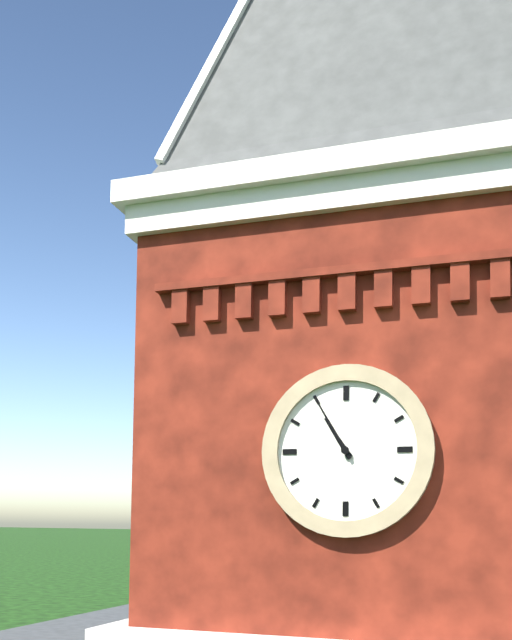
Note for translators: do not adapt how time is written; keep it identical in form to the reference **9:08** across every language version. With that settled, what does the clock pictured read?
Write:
**10:55**
